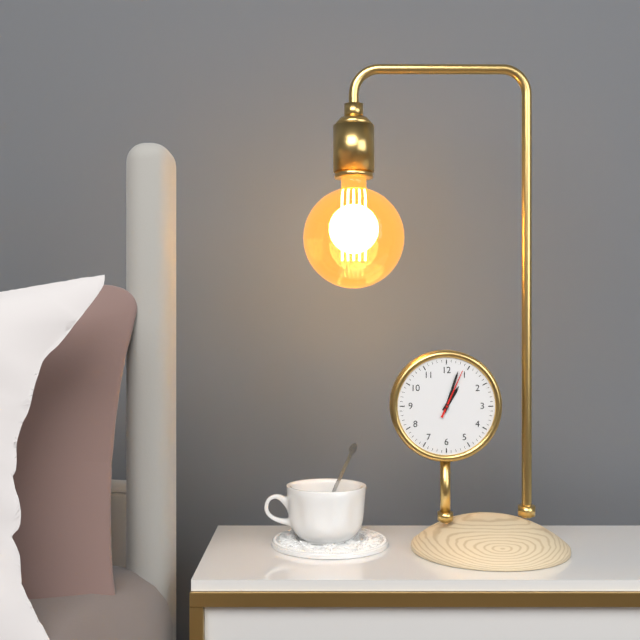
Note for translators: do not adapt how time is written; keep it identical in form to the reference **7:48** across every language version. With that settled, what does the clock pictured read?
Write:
**1:03**
